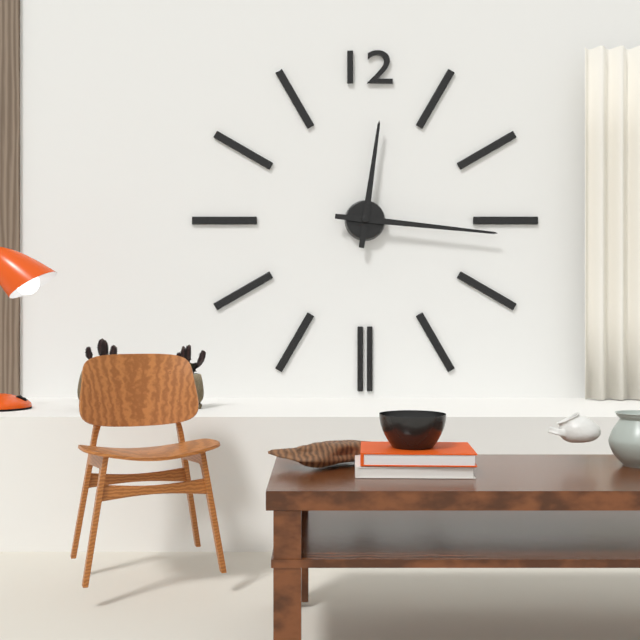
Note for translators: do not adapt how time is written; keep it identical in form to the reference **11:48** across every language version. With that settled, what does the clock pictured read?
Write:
**12:16**
